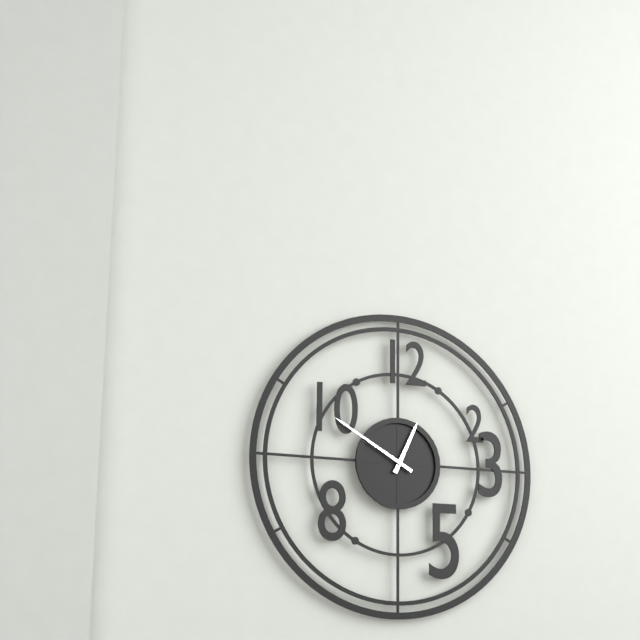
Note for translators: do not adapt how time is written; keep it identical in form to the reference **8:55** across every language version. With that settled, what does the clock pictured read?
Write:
**12:50**
